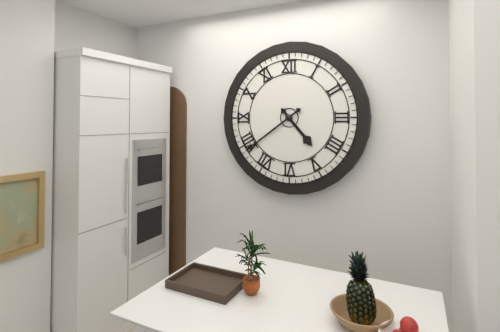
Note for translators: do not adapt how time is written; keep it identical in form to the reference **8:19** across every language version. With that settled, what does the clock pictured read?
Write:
**4:39**
